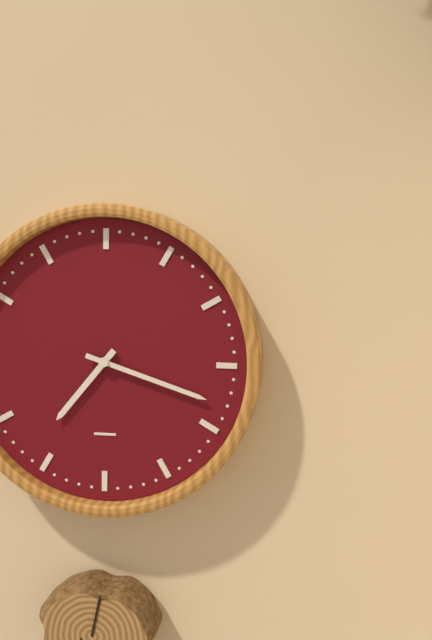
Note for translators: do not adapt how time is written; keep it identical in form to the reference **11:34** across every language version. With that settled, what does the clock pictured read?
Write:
**7:18**
